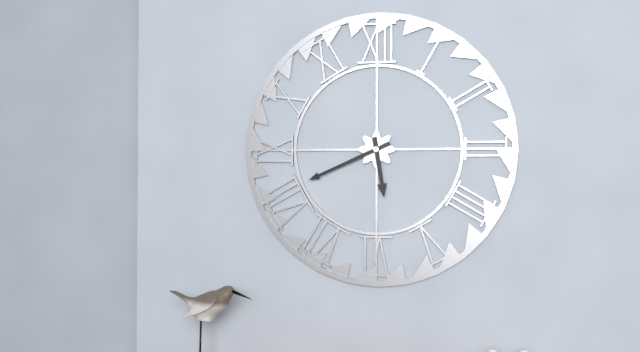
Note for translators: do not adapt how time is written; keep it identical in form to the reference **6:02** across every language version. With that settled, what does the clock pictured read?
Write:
**5:41**
